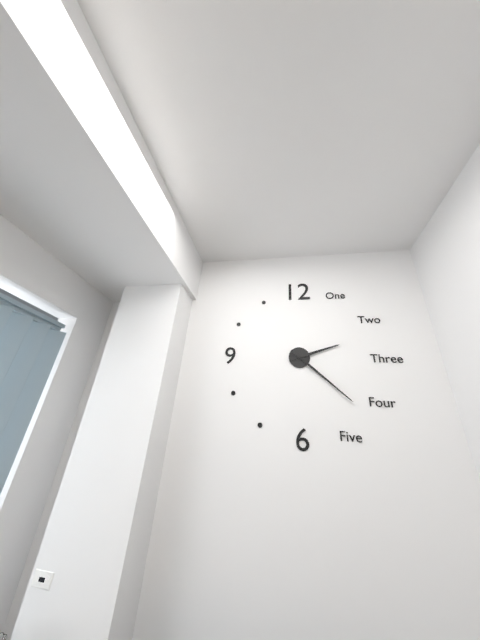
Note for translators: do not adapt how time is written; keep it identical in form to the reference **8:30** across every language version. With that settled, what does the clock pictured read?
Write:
**2:22**
